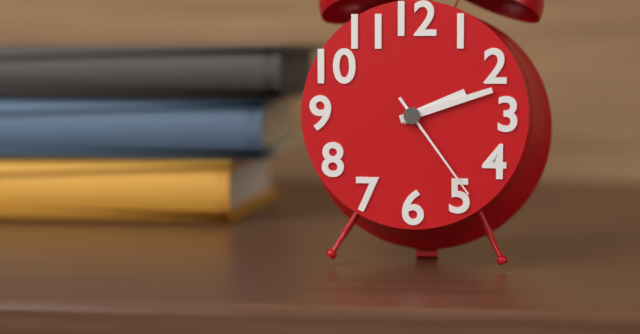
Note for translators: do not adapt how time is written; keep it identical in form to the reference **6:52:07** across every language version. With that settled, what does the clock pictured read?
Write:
**2:12:24**
